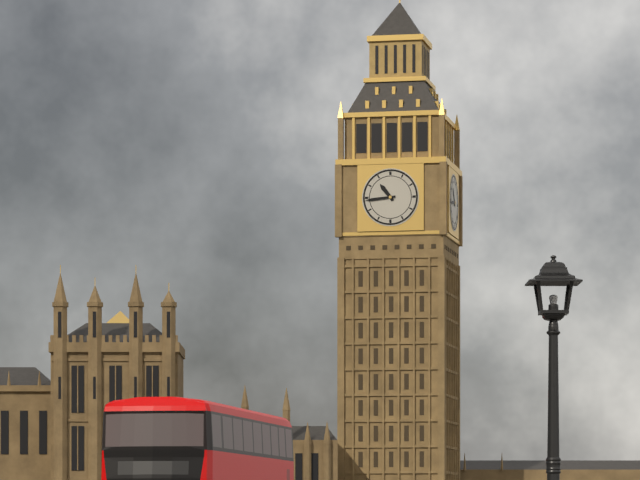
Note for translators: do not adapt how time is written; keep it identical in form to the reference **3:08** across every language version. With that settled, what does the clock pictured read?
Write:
**10:44**
